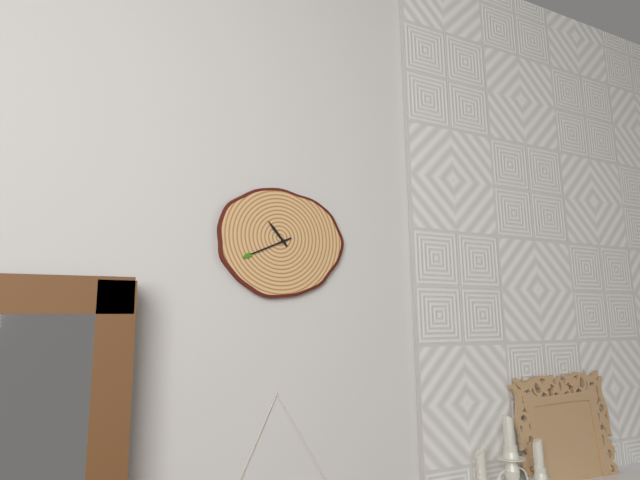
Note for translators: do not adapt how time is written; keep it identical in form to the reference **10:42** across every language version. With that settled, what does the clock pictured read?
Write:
**10:41**
